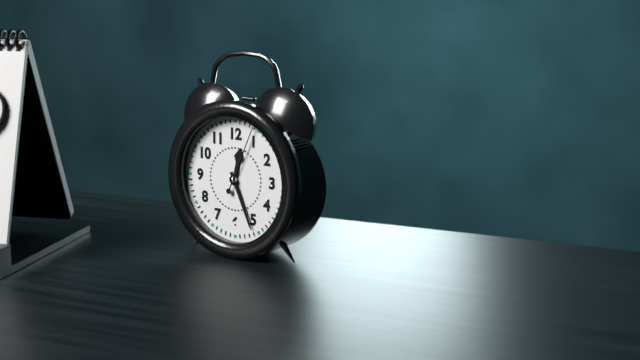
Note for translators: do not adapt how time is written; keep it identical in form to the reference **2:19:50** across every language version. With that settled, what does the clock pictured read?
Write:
**12:26:04**
